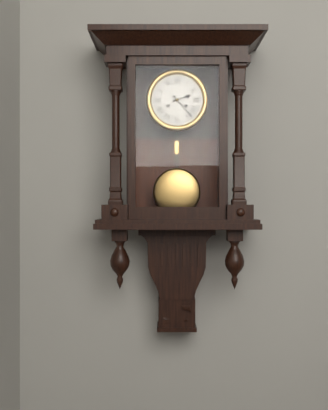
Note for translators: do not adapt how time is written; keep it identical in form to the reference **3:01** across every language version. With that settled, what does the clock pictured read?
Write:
**2:23**
